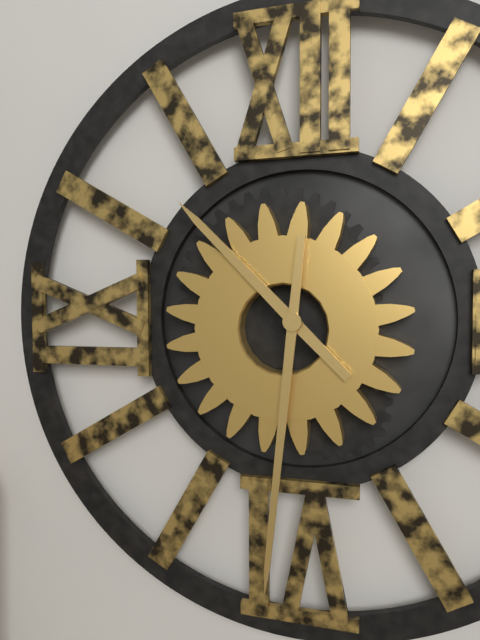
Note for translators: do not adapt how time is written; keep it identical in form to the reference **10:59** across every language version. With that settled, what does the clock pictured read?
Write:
**10:31**
